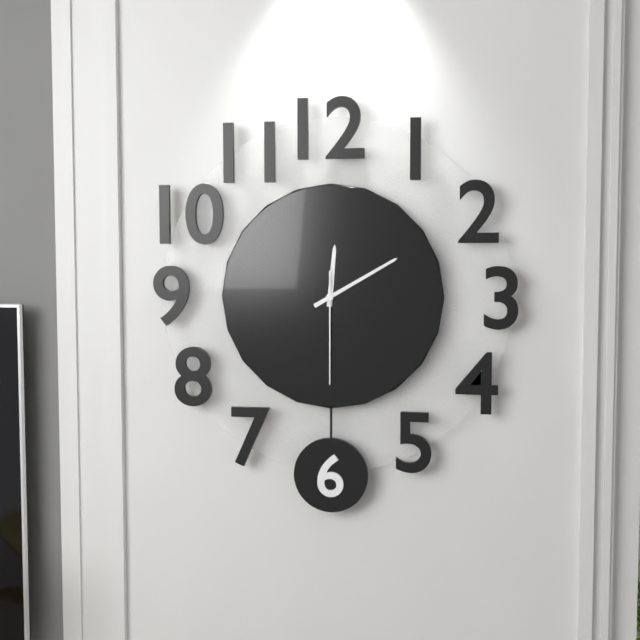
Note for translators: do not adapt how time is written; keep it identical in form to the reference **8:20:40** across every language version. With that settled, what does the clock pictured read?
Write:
**12:10:30**
